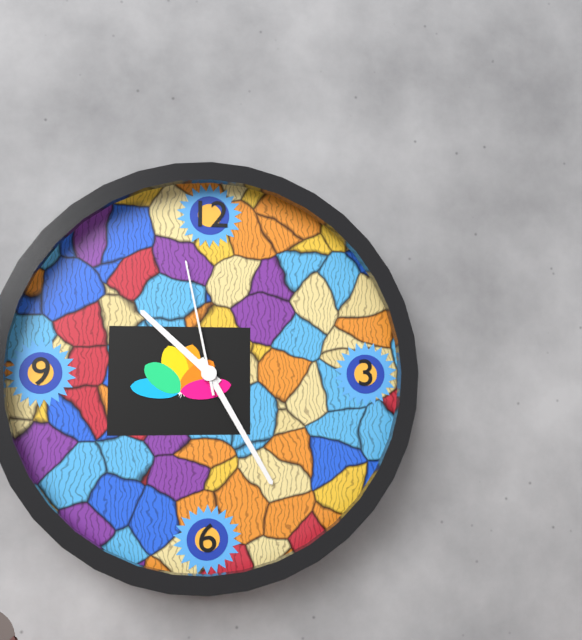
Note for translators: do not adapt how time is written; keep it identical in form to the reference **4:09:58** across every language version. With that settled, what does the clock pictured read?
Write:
**10:25:58**
